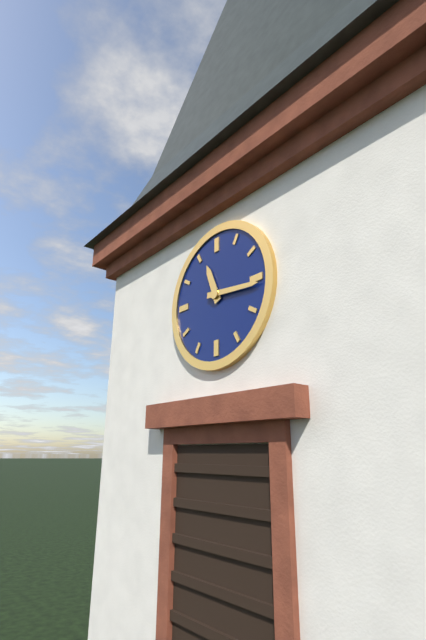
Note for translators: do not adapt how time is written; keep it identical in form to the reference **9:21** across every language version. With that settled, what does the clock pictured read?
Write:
**11:16**
